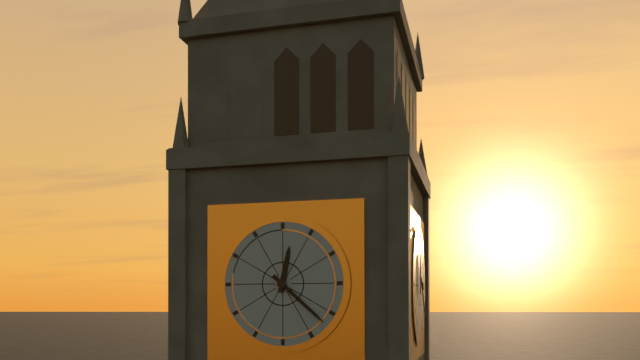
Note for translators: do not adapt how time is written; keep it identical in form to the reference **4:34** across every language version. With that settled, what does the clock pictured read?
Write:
**12:22**
